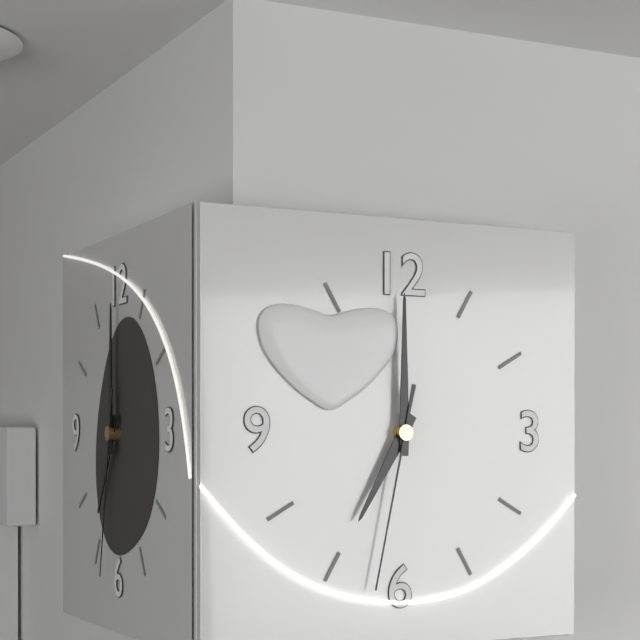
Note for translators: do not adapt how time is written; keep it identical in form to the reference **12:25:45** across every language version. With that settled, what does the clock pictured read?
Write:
**7:00:32**
